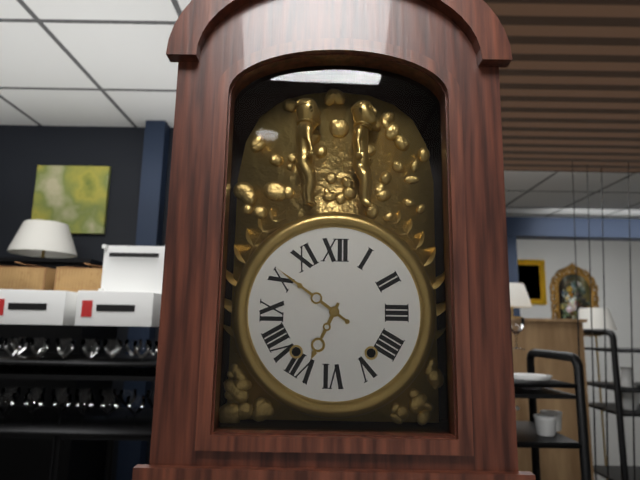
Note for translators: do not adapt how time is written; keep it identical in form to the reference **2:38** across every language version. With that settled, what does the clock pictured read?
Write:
**6:51**
